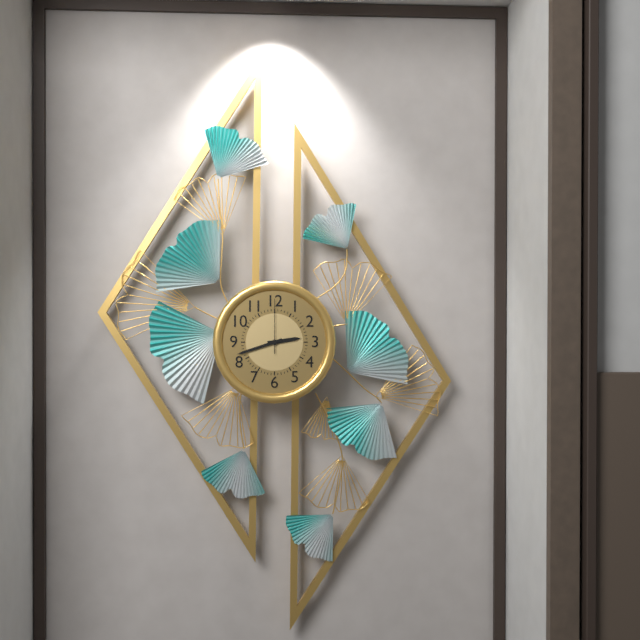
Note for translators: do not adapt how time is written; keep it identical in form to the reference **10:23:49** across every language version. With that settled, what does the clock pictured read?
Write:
**2:42:00**
